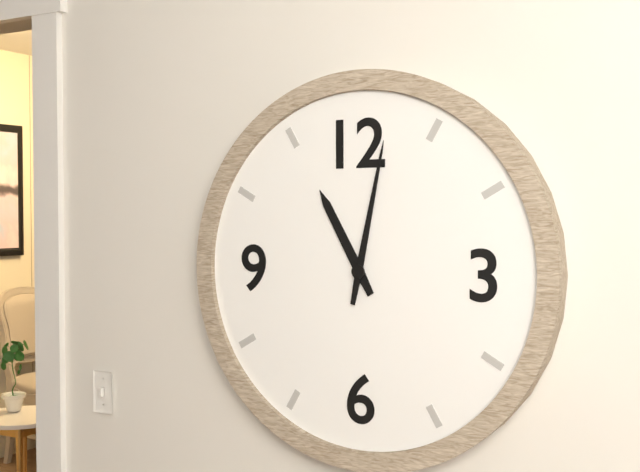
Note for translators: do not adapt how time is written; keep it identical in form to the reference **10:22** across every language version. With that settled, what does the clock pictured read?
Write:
**11:02**
